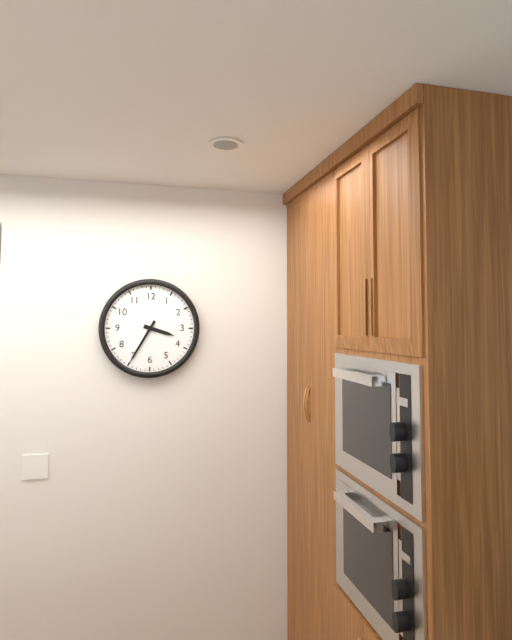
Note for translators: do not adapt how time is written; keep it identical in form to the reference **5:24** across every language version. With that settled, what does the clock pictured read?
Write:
**3:35**
